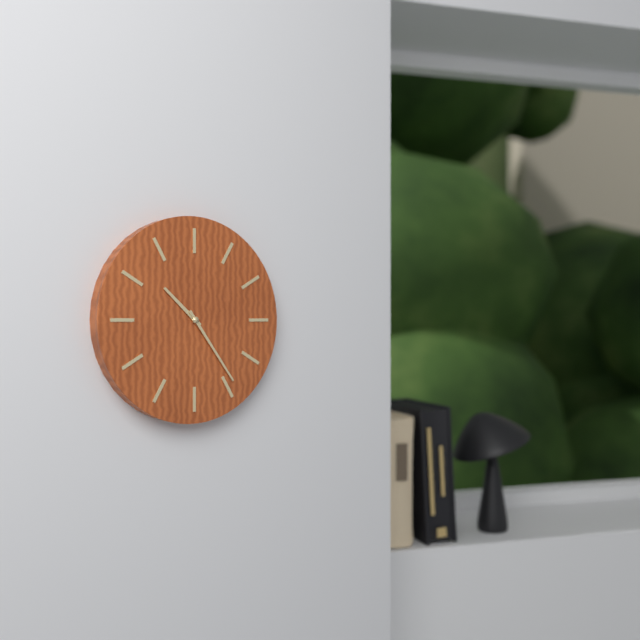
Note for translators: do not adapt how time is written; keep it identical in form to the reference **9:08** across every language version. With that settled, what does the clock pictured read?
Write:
**10:24**
